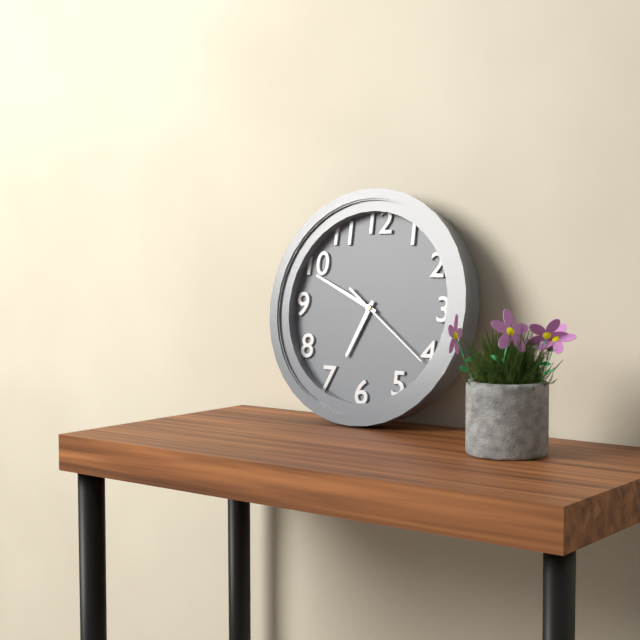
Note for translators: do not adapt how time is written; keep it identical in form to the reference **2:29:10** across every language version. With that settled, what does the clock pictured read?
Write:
**6:49:21**
